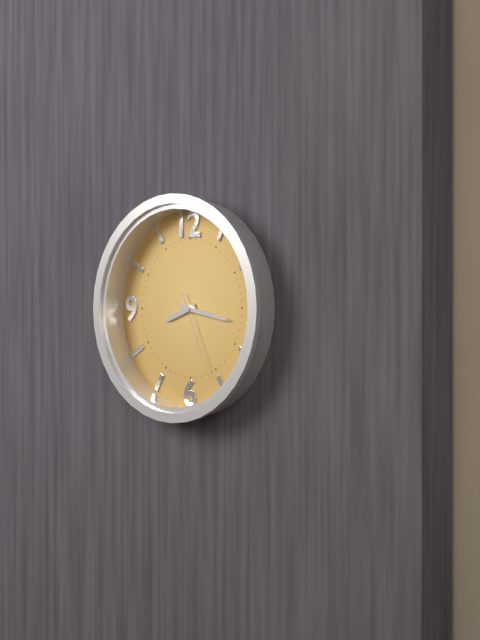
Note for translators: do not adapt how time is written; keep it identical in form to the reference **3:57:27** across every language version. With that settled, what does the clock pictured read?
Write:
**8:17:26**
